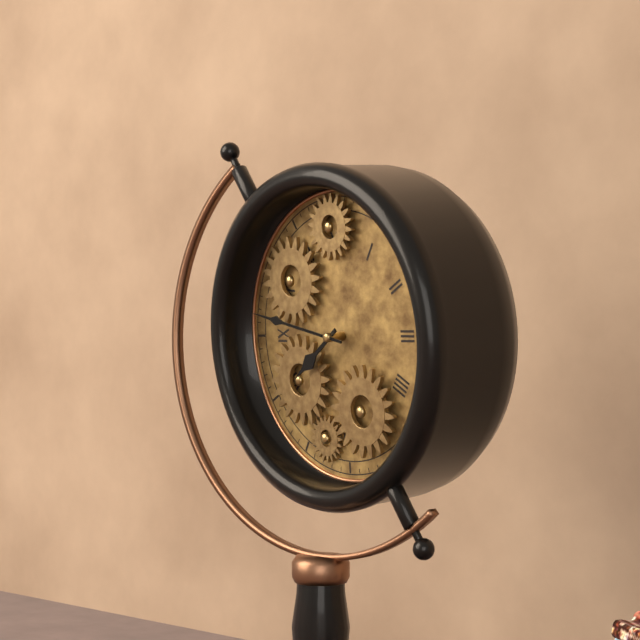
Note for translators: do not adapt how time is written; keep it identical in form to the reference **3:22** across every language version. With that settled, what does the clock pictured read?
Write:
**7:47**
